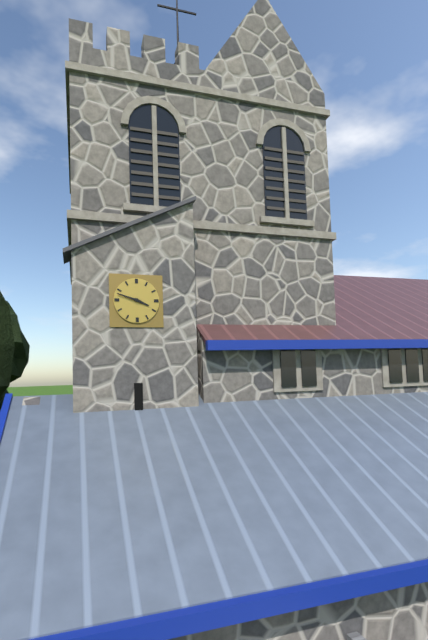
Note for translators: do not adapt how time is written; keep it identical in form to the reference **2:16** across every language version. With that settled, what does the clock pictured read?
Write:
**3:48**
